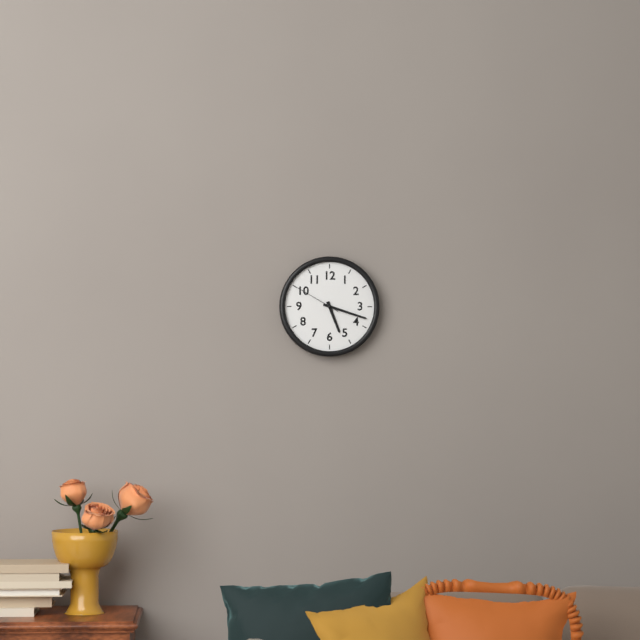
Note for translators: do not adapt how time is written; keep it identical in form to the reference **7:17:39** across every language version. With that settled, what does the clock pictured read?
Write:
**5:18:50**
